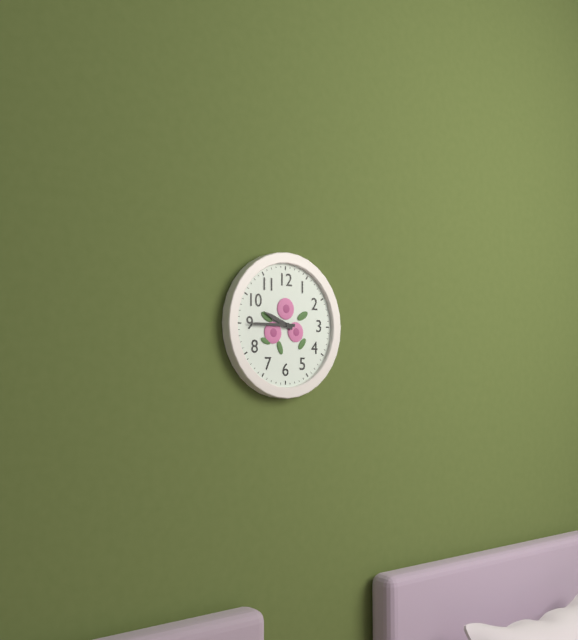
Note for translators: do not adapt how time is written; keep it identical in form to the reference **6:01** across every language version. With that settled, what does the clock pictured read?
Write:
**9:45**
